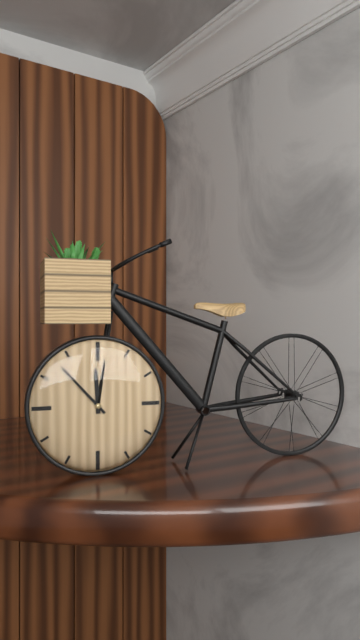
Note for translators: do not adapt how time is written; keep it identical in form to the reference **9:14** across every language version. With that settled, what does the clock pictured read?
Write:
**11:53**
